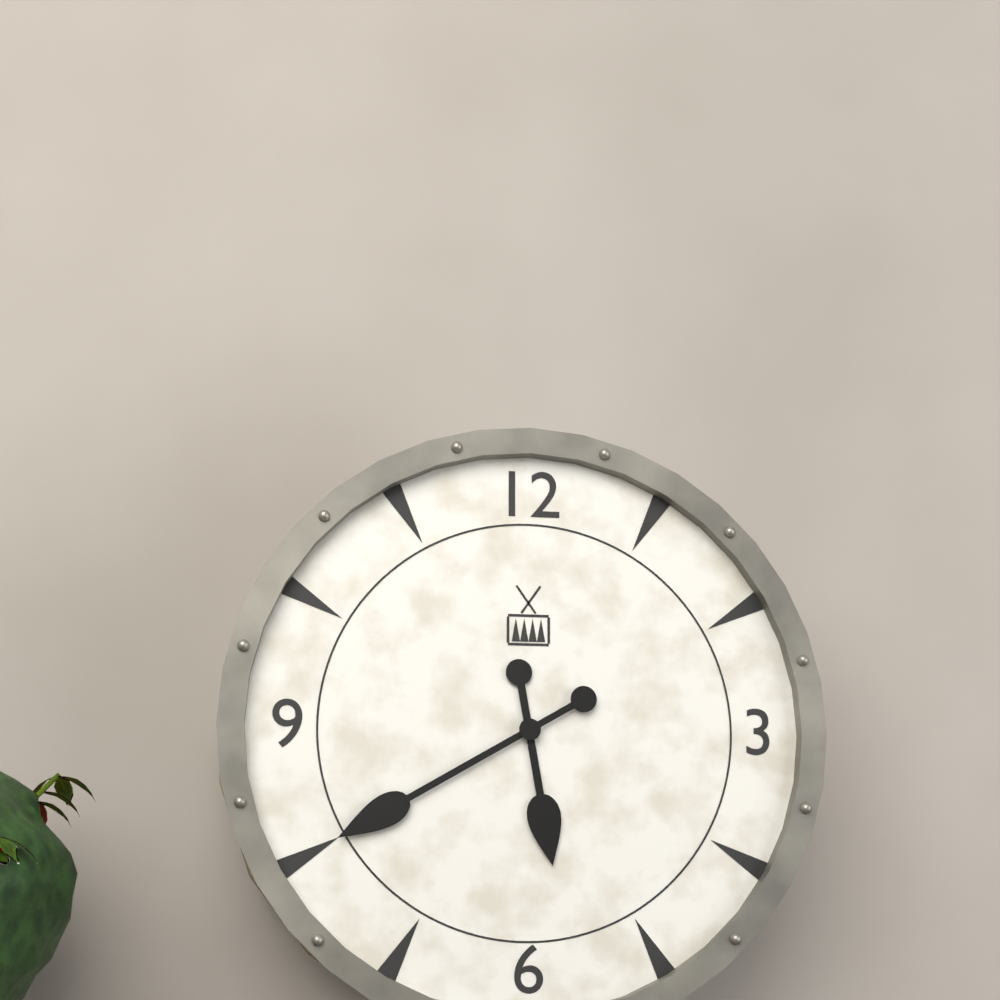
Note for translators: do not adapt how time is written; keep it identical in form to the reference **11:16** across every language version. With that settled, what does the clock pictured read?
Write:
**5:40**
